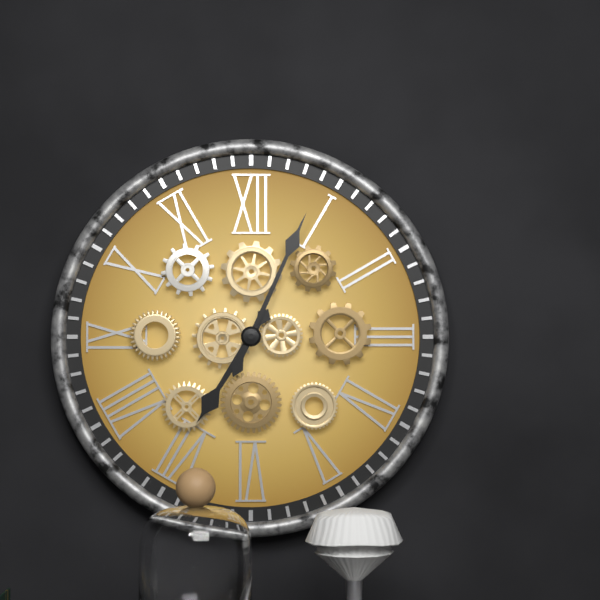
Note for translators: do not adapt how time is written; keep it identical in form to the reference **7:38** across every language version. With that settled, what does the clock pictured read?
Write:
**7:04**
